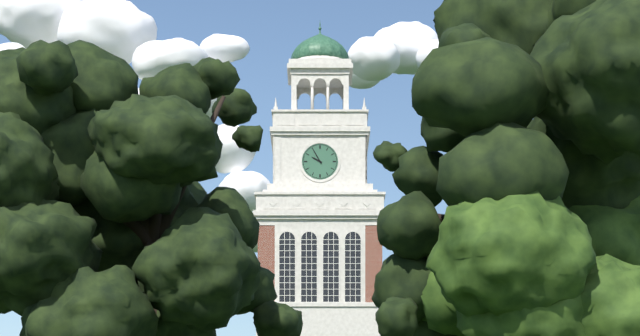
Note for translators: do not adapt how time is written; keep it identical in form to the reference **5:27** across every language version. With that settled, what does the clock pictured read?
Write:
**9:55**
